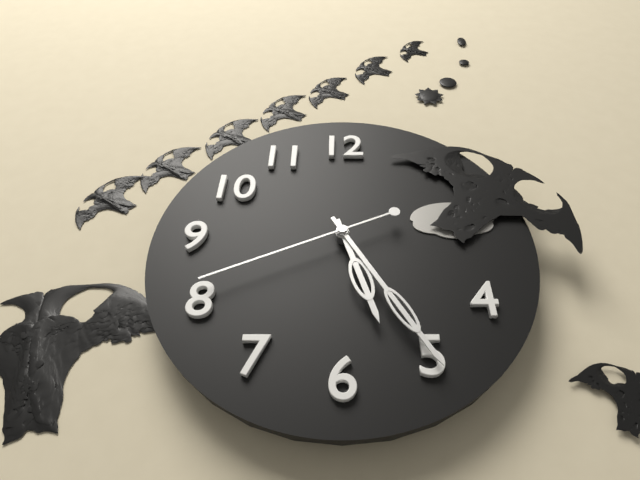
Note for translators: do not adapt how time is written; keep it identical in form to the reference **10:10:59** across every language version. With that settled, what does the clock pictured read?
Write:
**5:25:41**
